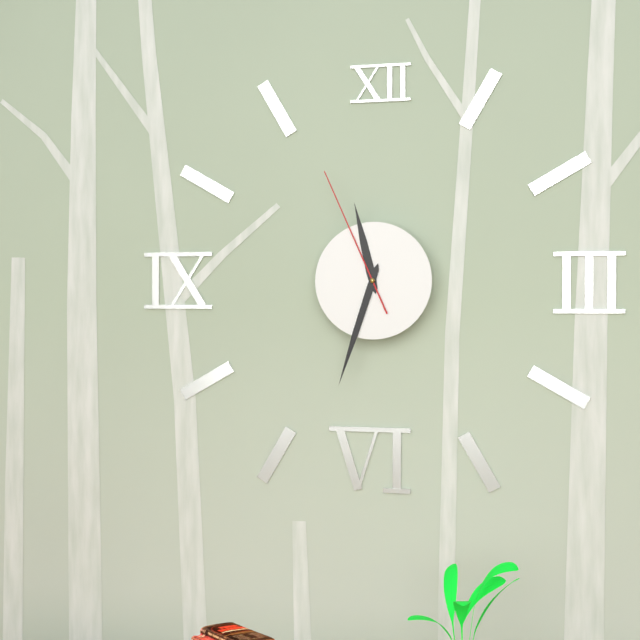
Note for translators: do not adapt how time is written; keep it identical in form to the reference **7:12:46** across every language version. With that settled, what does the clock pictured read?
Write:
**11:33:56**
